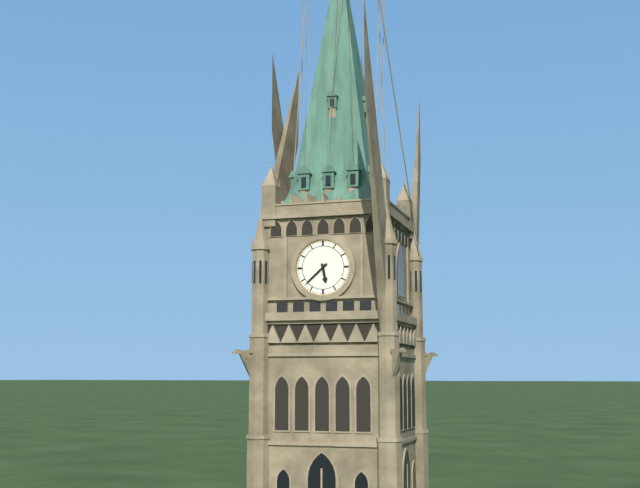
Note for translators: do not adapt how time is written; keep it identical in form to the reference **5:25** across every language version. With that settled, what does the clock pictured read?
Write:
**5:38**
